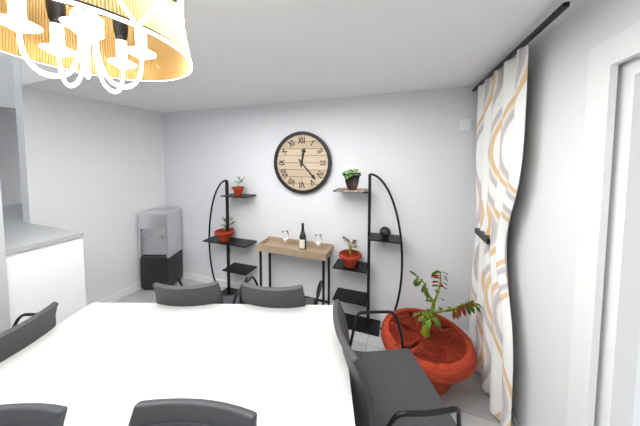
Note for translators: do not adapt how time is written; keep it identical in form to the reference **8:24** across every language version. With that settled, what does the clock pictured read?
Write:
**12:23**
